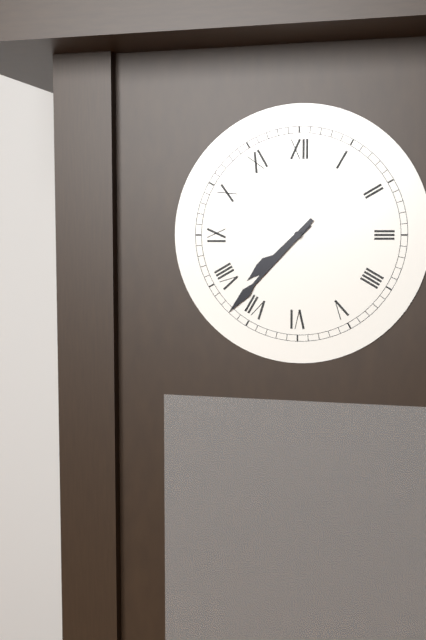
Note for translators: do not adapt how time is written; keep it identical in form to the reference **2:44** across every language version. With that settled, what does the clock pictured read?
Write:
**7:37**
